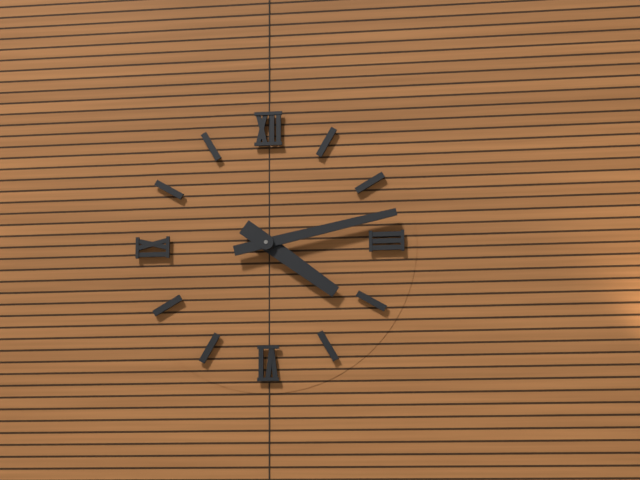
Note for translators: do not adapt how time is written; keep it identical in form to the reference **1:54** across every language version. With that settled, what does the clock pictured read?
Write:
**4:13**
